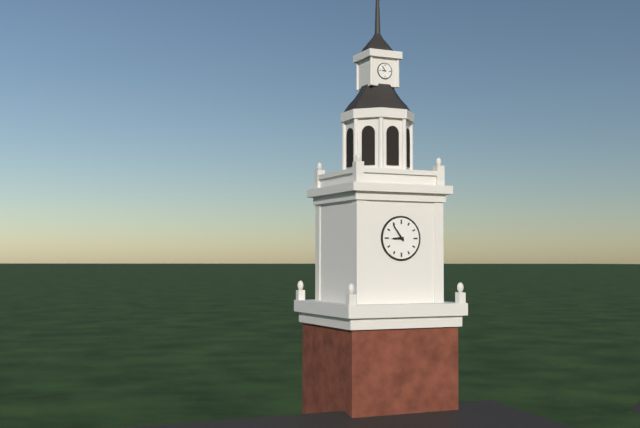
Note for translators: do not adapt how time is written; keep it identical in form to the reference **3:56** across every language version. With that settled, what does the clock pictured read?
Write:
**8:54**
